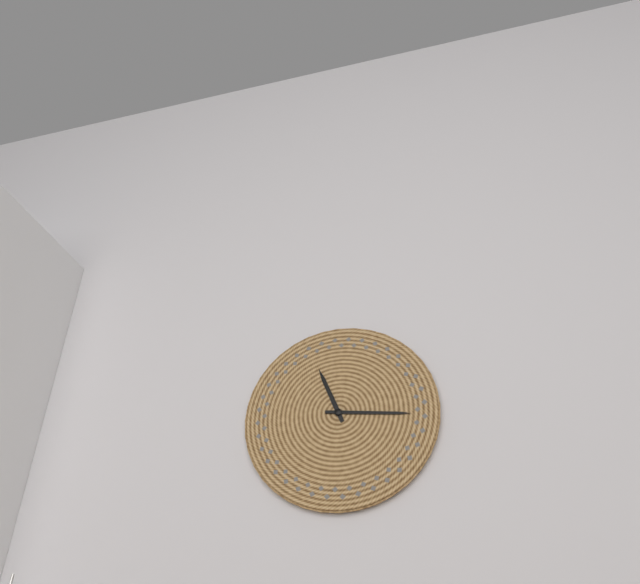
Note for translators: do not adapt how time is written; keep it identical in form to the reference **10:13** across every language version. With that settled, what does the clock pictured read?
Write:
**11:16**
